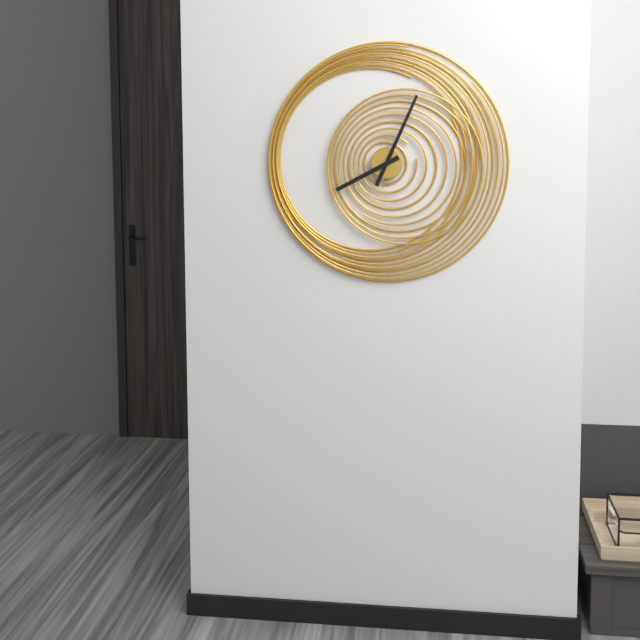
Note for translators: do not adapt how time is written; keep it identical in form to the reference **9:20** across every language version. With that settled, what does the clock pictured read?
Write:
**8:04**
